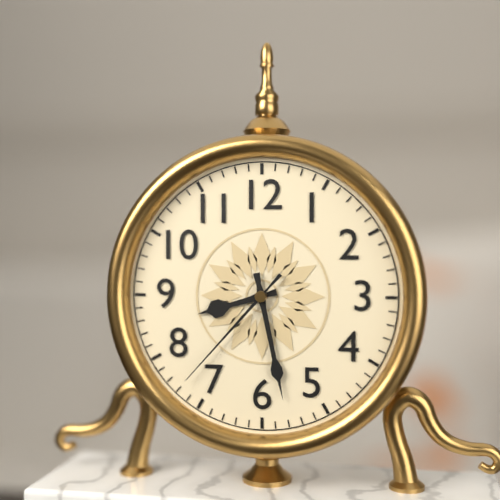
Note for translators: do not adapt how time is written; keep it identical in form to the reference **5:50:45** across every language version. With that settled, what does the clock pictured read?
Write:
**8:28:37**
